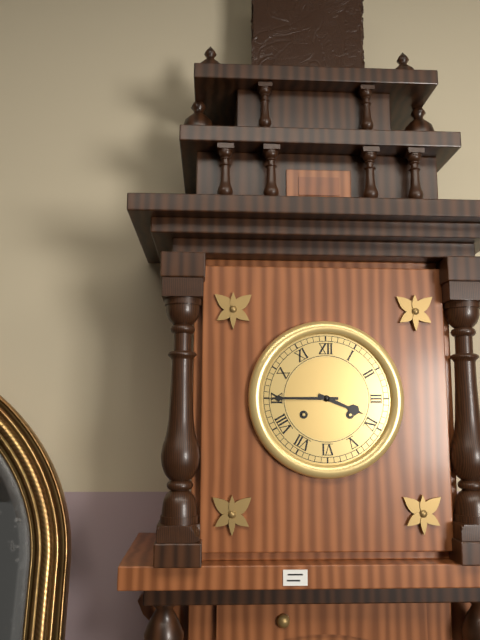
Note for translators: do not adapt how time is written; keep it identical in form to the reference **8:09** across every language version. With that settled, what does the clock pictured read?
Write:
**3:45**
